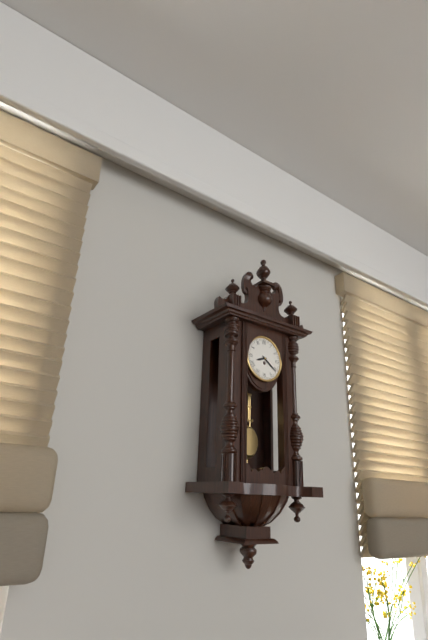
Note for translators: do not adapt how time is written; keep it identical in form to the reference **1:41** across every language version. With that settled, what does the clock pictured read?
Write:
**8:21**
